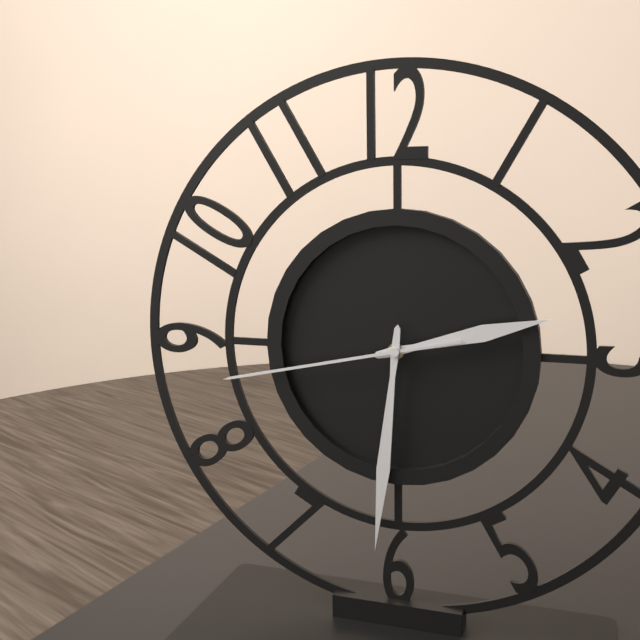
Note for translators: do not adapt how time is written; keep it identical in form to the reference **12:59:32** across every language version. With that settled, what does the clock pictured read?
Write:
**2:31:43**
